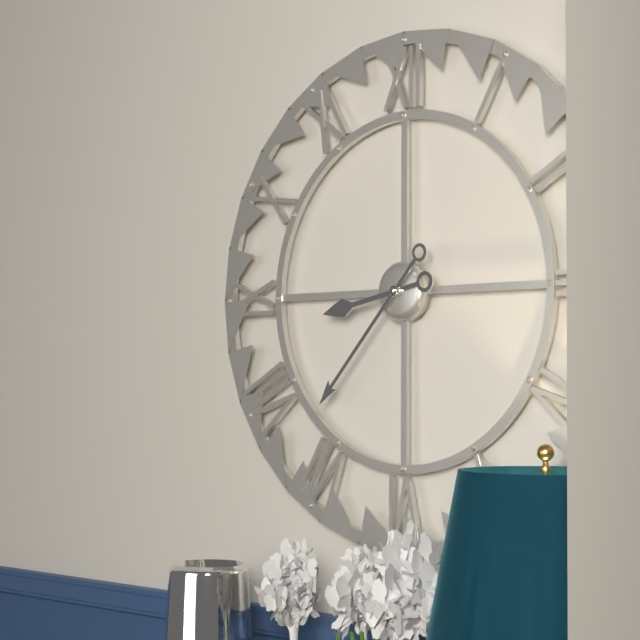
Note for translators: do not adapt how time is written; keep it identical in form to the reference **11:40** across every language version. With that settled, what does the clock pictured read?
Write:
**8:37**
